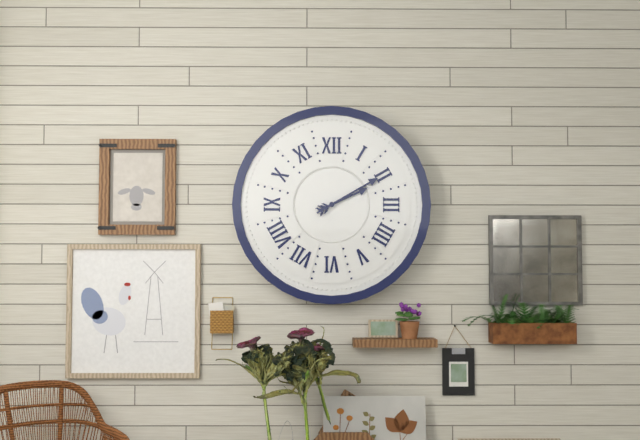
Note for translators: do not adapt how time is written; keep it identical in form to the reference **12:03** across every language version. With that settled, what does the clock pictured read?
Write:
**2:10**
